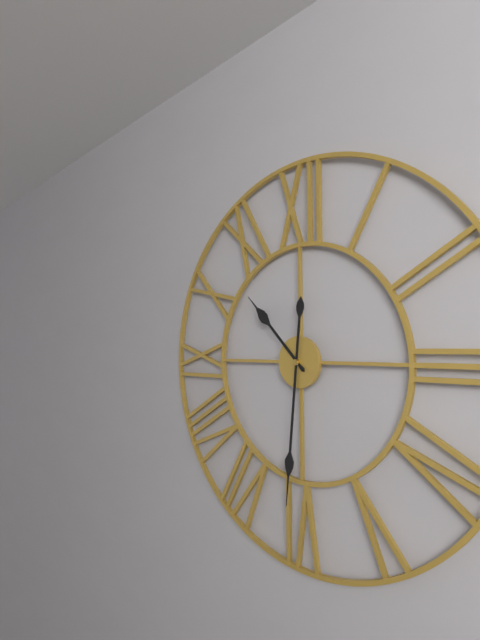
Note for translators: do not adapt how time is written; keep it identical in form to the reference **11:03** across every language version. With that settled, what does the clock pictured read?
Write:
**10:31**
